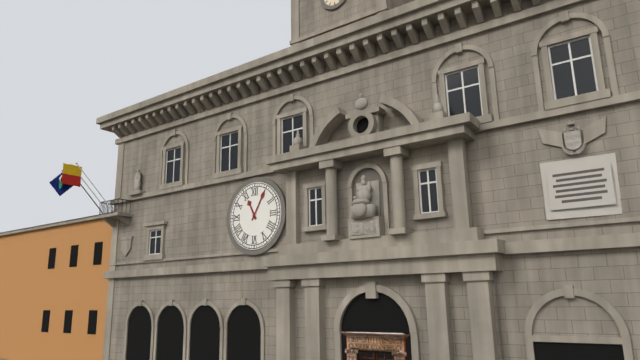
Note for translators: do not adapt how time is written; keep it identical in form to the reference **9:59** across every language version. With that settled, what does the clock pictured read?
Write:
**11:05**
